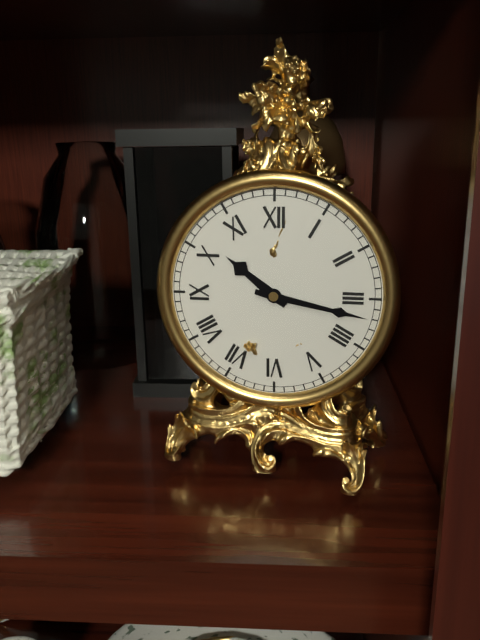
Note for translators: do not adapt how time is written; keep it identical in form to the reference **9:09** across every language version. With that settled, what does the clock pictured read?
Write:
**10:17**
